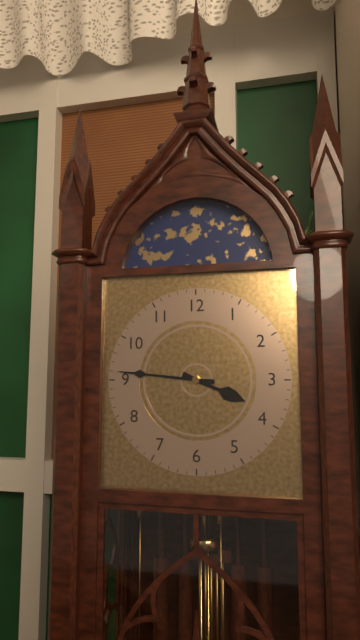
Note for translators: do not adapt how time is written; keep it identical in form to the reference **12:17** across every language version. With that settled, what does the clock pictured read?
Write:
**3:46**
